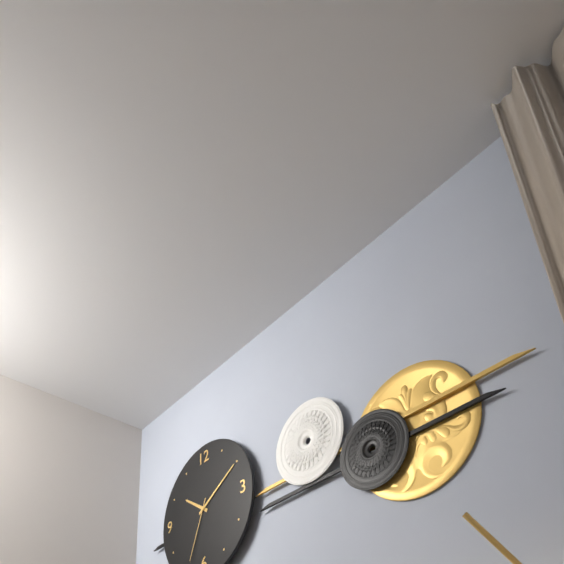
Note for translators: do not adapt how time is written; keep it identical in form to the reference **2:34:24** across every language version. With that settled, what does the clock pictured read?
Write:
**10:10:34**
